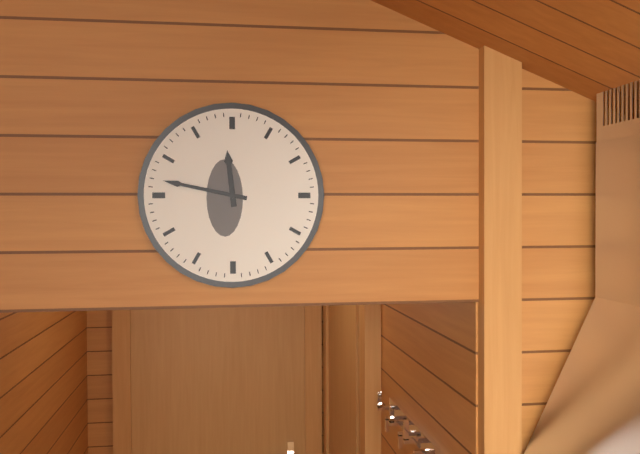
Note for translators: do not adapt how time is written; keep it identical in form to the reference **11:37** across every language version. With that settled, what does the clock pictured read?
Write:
**11:47**
